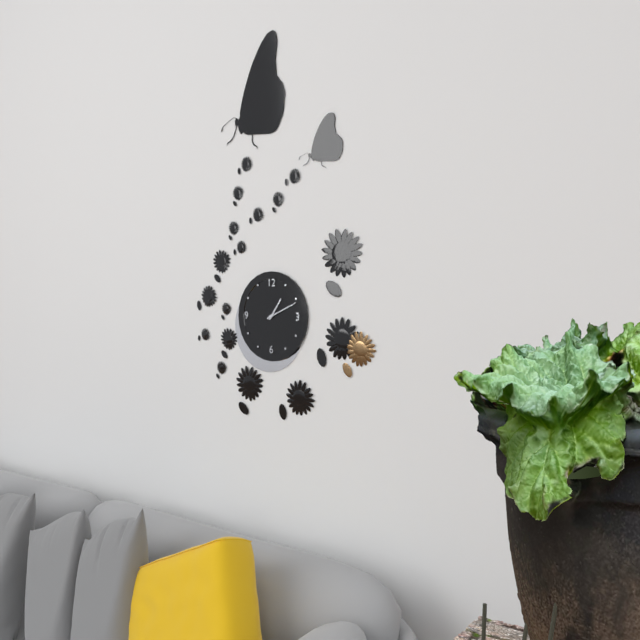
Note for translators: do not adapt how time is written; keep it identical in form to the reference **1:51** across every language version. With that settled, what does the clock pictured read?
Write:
**1:11**
